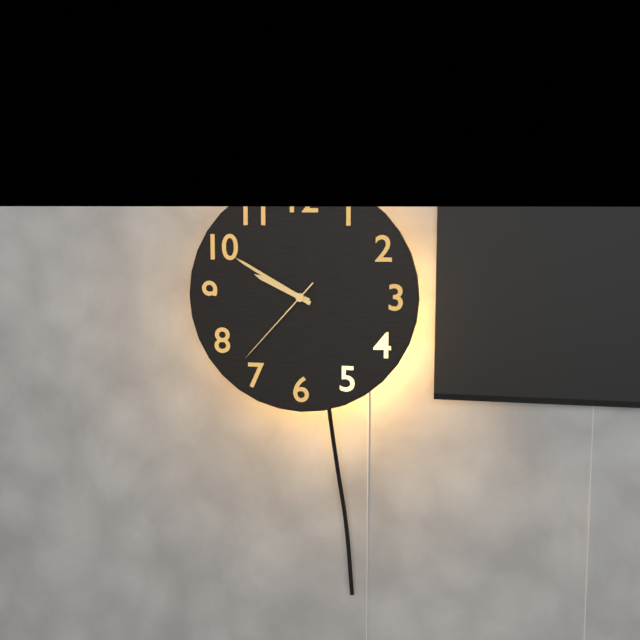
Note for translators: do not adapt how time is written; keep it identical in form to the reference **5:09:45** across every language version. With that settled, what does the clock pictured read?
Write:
**9:50:37**
